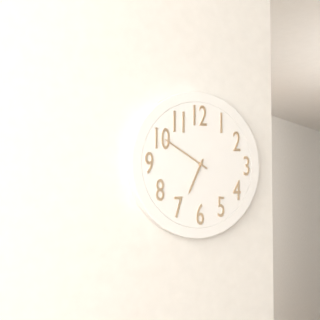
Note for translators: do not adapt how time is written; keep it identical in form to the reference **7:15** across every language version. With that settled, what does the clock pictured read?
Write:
**6:50**
